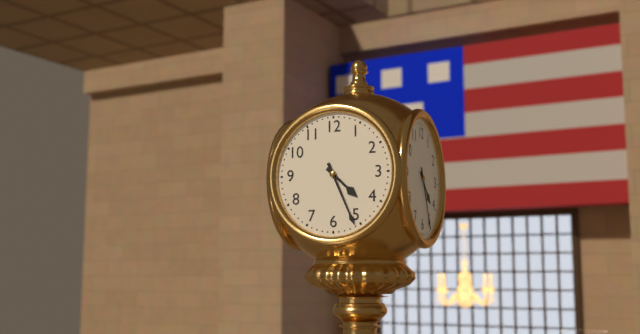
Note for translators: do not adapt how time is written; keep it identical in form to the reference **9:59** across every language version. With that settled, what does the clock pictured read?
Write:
**4:26**
